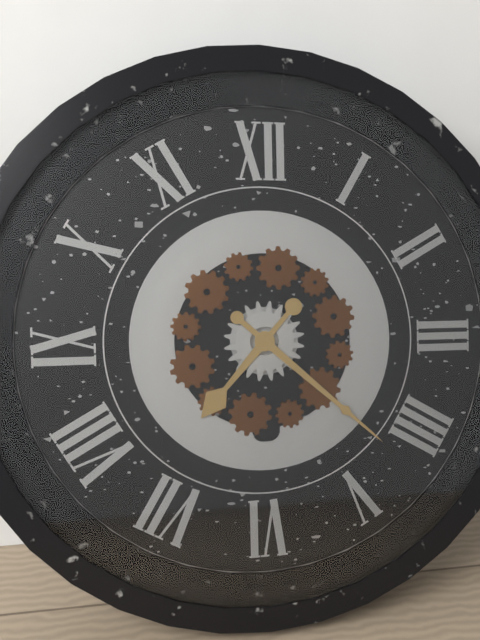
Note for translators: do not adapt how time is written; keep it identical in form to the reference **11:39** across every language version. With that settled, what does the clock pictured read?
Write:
**7:22**
